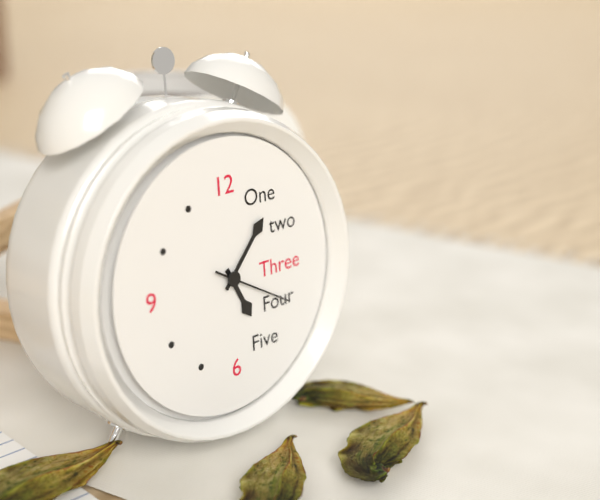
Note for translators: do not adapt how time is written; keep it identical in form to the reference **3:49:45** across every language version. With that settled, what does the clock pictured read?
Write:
**5:07:20**
